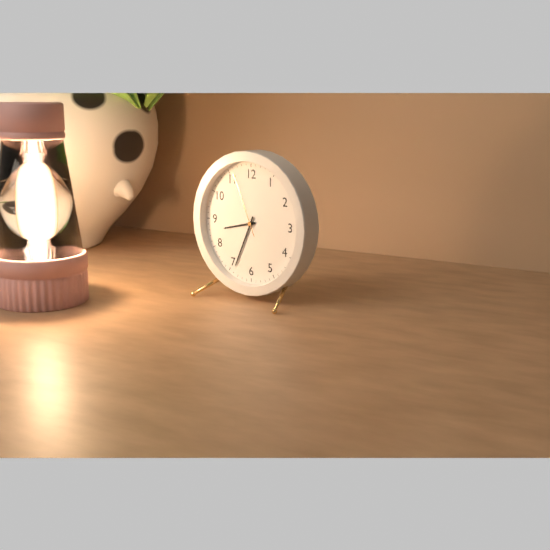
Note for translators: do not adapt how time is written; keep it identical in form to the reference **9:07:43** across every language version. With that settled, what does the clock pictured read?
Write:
**8:34:56**
